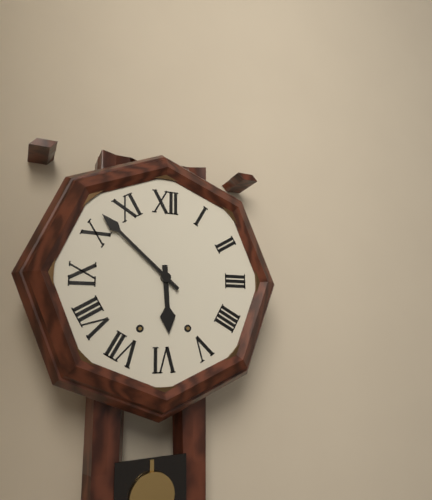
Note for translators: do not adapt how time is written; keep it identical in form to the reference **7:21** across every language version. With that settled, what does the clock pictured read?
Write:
**5:52**
